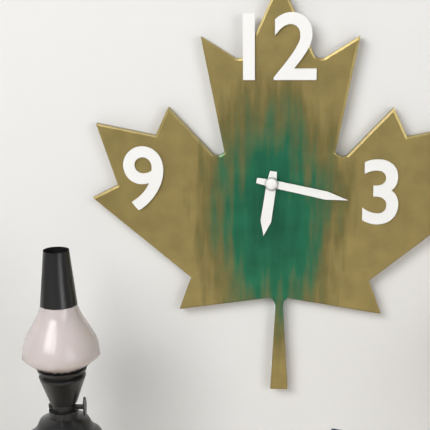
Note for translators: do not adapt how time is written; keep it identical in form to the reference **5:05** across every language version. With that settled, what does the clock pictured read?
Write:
**6:17**
